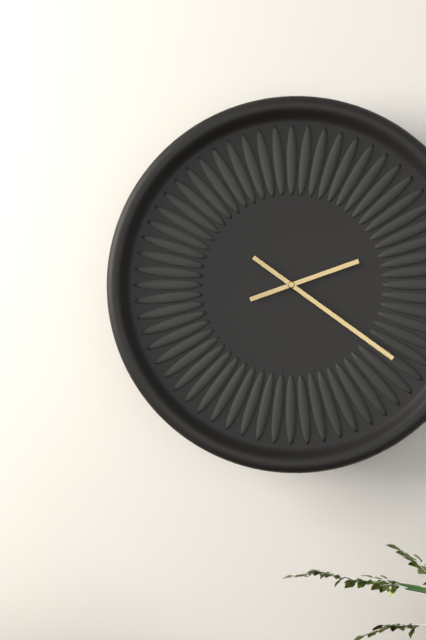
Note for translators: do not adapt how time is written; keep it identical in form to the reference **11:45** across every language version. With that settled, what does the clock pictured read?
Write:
**2:21**
